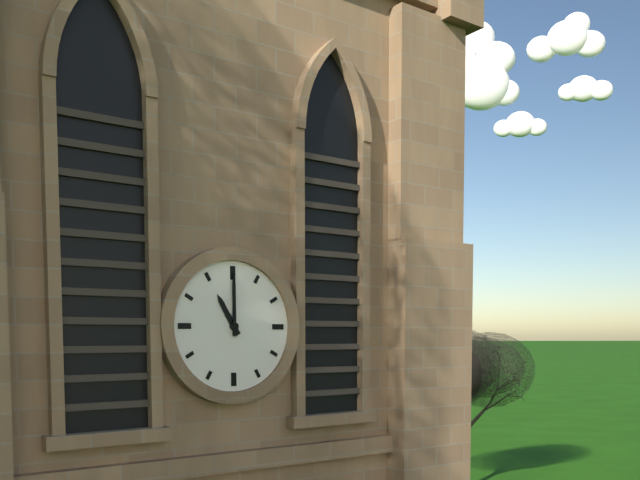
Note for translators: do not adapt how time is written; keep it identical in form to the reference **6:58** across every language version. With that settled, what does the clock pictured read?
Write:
**11:00**
